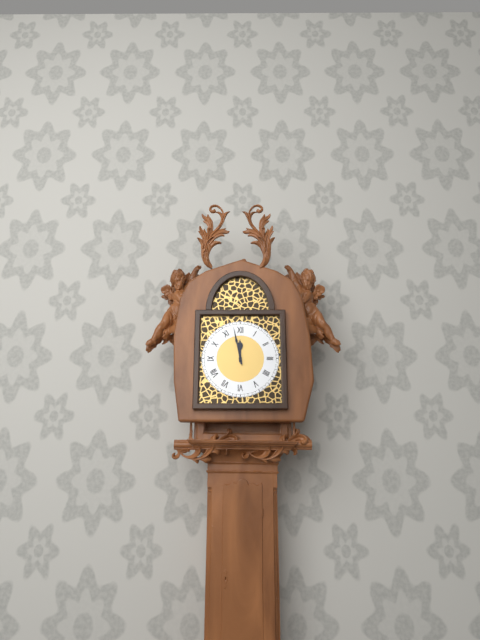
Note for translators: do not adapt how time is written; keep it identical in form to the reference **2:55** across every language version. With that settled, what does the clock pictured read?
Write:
**11:58**
